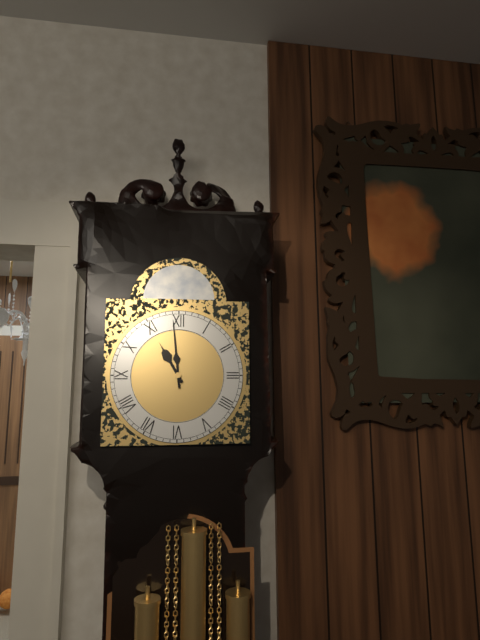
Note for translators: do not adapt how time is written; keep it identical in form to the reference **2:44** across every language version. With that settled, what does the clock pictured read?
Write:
**10:59**
